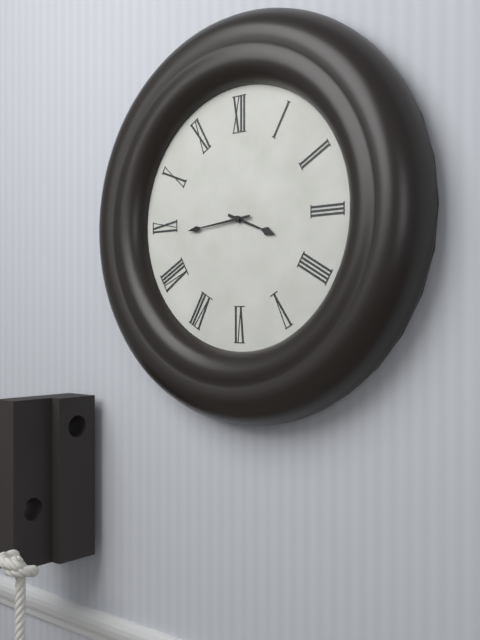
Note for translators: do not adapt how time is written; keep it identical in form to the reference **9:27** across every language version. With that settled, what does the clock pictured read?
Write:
**3:44**
